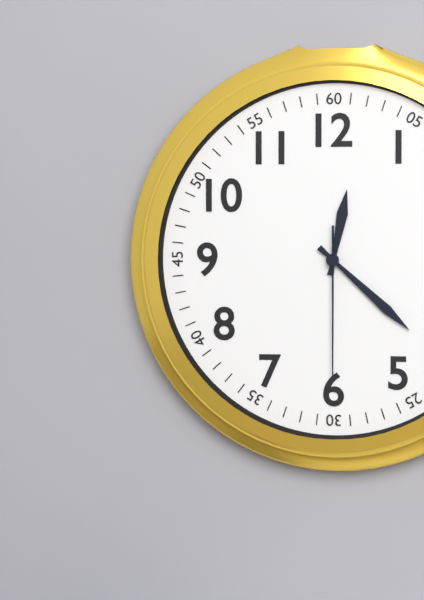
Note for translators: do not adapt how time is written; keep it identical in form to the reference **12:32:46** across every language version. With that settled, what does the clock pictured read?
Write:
**12:22:30**
